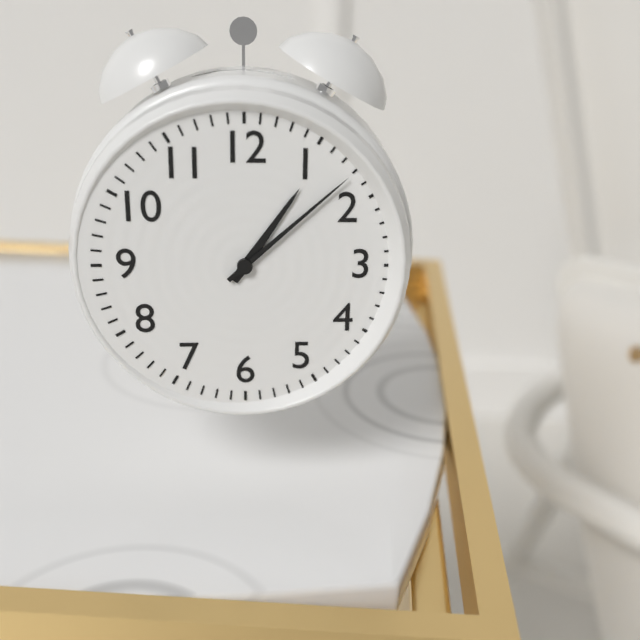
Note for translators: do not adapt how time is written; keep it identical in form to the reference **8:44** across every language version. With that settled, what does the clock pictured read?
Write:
**1:08**
